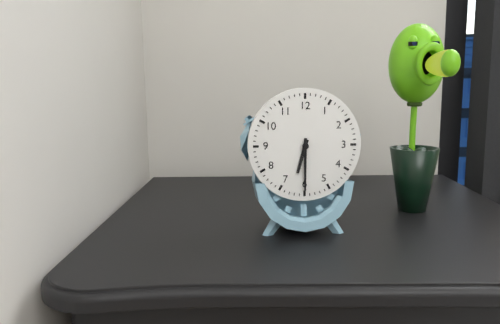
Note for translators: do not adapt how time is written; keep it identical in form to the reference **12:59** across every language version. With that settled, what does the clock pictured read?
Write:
**6:30**
